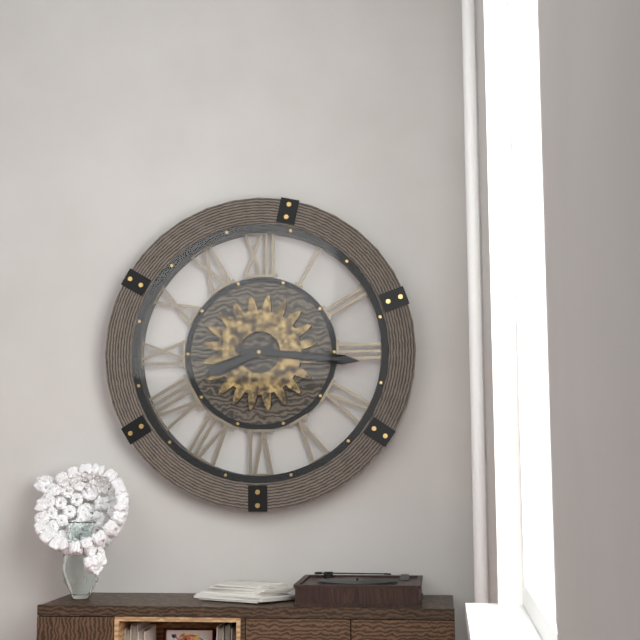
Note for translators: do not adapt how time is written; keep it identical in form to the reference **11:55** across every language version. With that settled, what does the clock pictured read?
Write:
**8:16**
